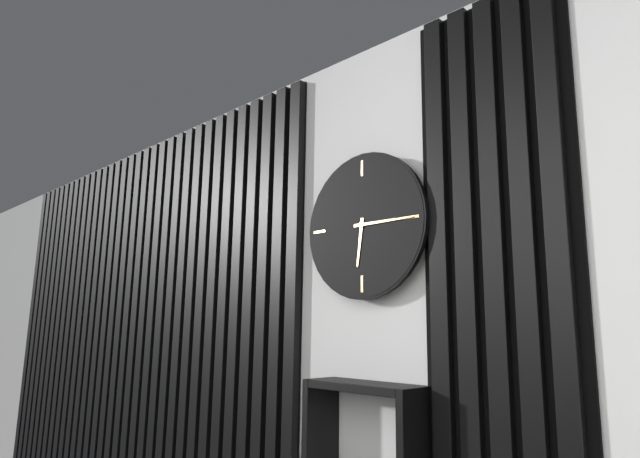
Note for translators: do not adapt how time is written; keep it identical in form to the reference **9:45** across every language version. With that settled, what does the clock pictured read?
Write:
**6:15**
